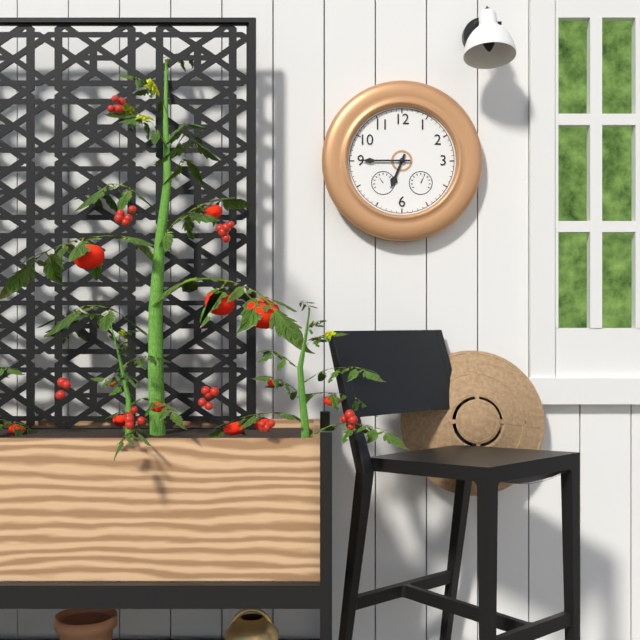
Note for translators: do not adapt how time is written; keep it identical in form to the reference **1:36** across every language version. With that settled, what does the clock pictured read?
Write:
**6:45**
